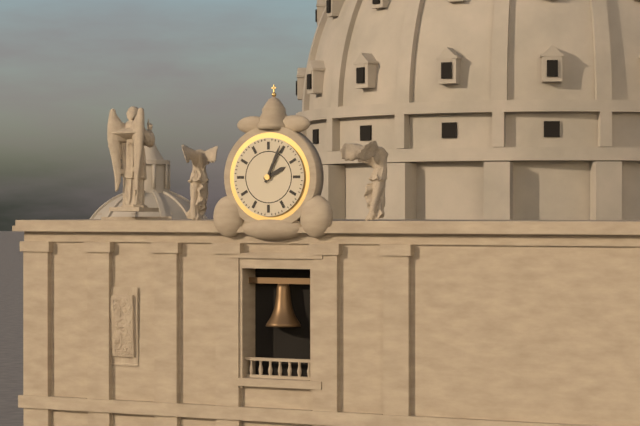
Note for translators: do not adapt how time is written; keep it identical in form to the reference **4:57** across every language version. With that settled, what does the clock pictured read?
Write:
**2:04**
